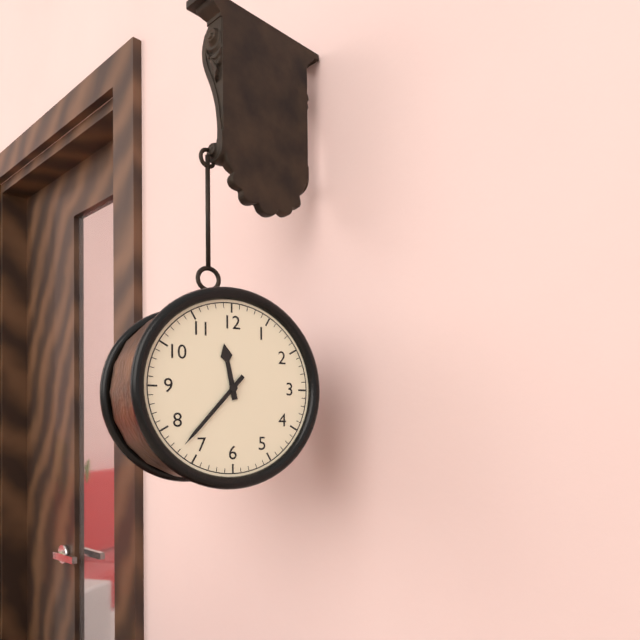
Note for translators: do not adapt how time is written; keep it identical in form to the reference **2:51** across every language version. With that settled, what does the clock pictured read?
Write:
**11:37**
